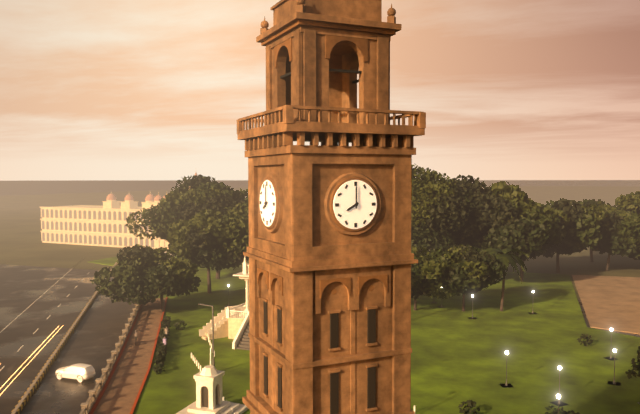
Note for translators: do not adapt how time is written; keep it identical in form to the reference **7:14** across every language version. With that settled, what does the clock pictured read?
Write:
**8:00**
